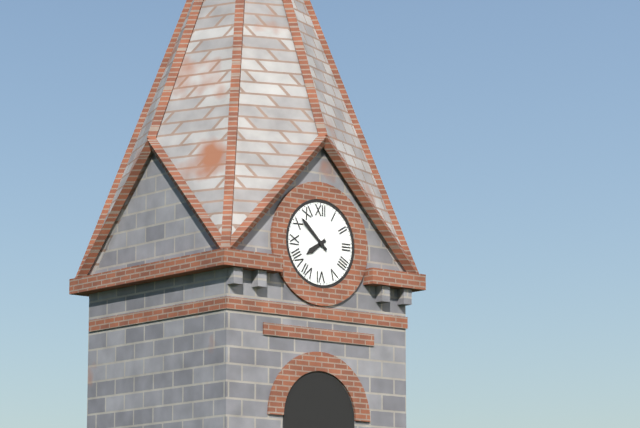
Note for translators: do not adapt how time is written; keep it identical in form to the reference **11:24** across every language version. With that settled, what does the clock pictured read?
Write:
**7:52**
